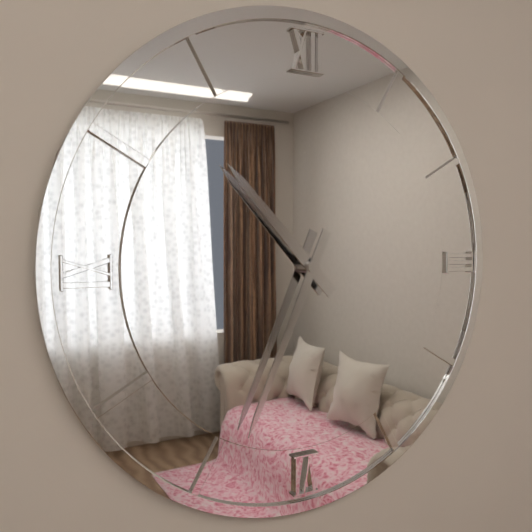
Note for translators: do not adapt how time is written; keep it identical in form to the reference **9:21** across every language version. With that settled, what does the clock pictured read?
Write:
**10:34**
